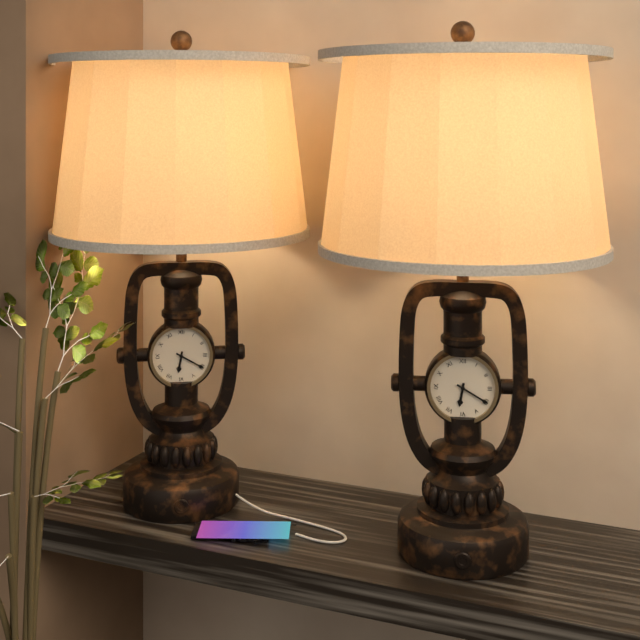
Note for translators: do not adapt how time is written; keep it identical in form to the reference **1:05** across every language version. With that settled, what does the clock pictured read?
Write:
**6:20**
